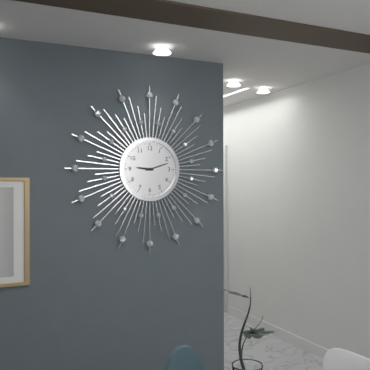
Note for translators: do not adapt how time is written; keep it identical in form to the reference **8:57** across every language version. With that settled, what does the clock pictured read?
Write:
**9:12**
